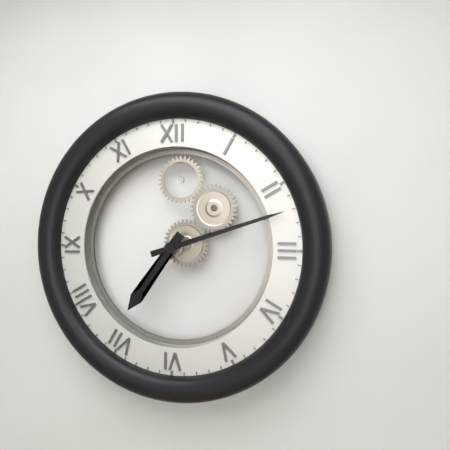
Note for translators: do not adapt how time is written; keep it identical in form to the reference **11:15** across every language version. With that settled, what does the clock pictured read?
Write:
**7:12**
